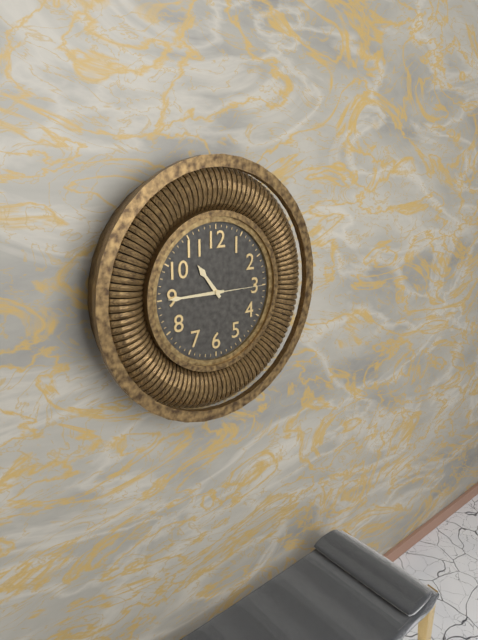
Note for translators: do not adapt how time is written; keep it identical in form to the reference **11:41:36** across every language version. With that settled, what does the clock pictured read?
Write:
**10:45:15**
